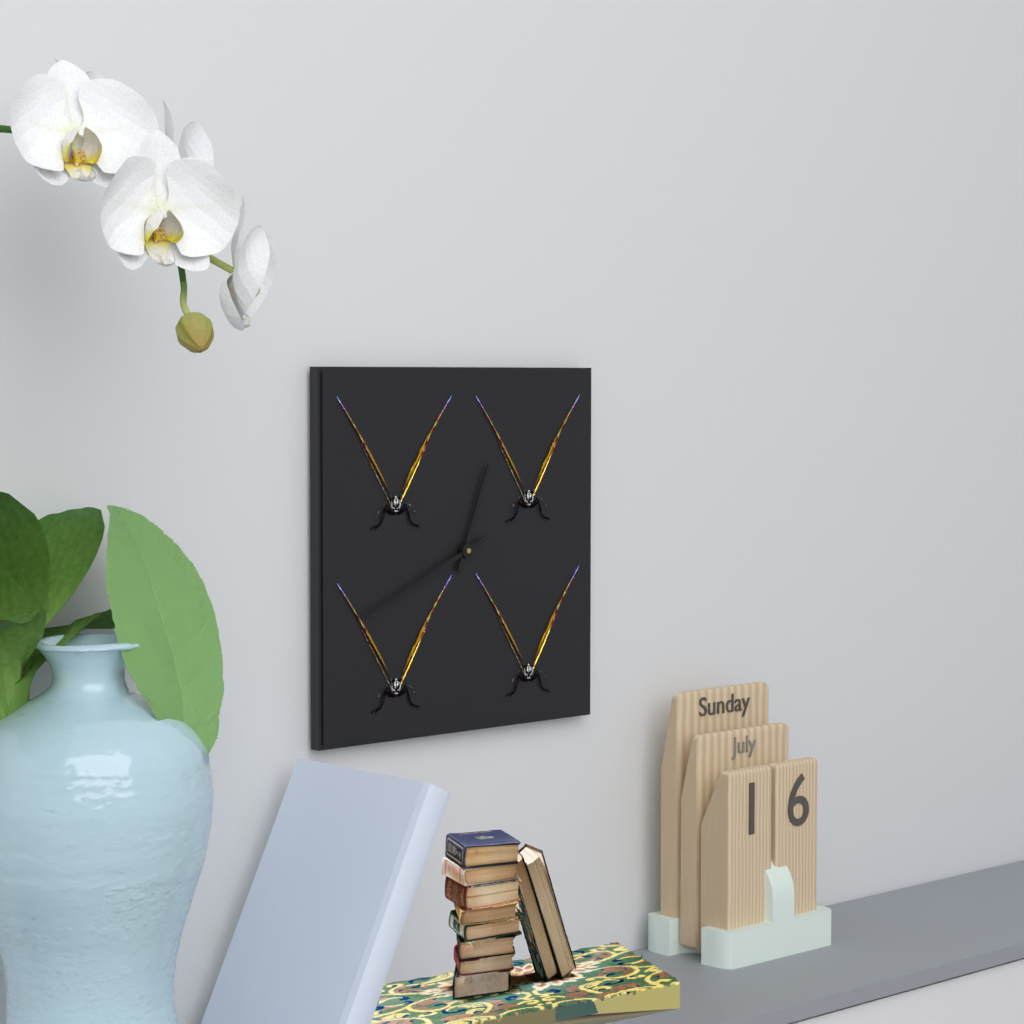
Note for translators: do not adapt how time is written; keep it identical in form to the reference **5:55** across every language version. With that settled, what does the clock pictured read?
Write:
**12:41**
